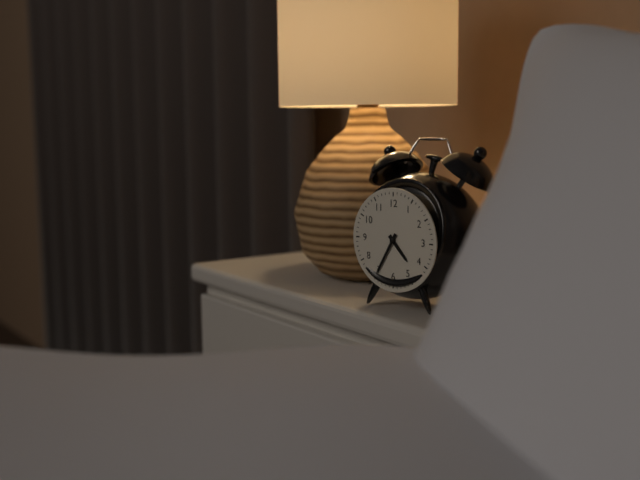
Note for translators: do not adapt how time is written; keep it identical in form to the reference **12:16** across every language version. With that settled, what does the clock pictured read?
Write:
**4:35**
